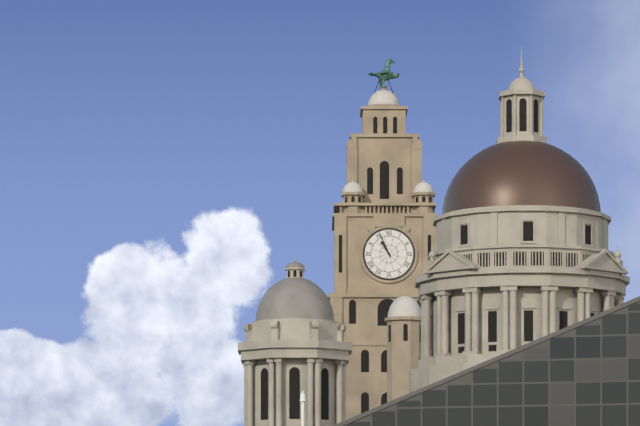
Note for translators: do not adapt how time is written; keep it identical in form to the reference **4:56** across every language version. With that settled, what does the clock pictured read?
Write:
**10:56**
